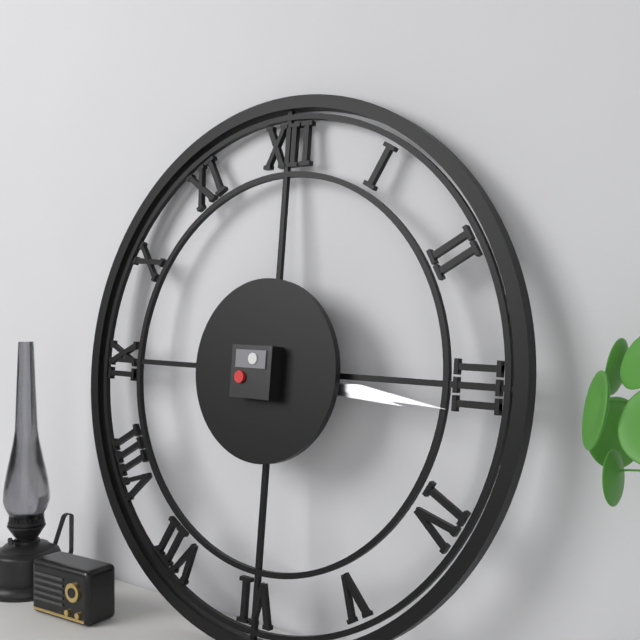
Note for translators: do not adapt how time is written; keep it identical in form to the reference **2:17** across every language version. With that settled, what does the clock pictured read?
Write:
**3:16**
